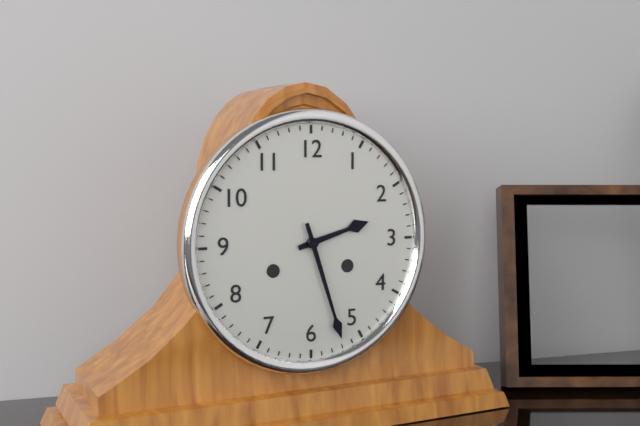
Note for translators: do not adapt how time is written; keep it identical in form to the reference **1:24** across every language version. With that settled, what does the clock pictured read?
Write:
**2:27**
